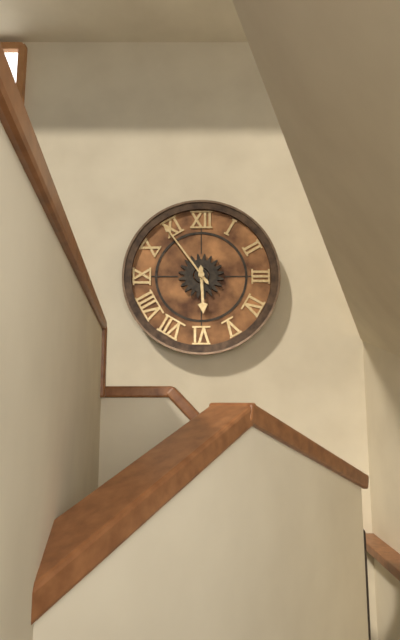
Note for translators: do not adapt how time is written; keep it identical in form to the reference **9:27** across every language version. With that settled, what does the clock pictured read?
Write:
**5:54**
